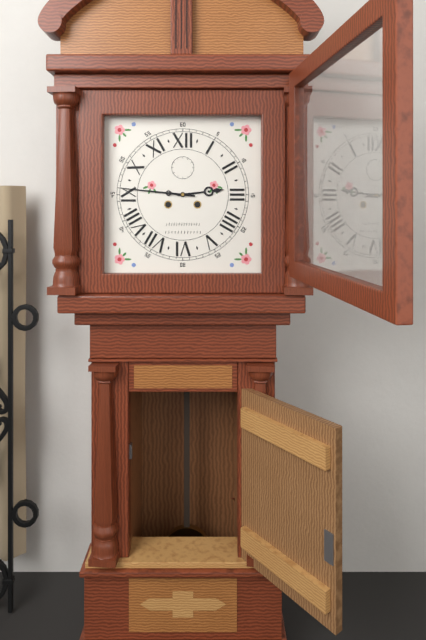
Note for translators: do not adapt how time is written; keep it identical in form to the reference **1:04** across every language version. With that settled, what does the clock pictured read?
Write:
**2:46**
